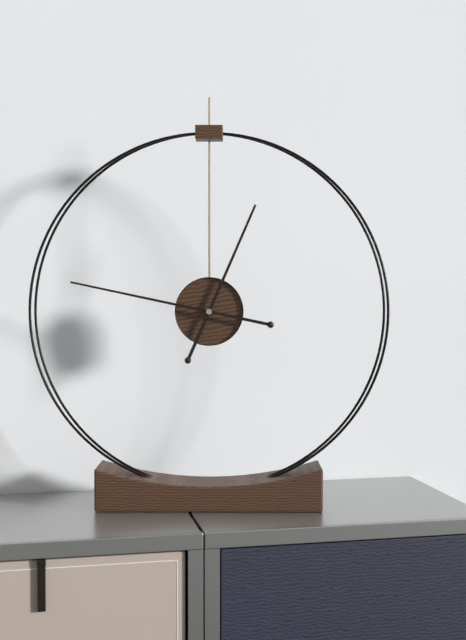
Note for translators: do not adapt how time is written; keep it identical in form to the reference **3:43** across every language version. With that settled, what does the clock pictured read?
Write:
**12:47**
